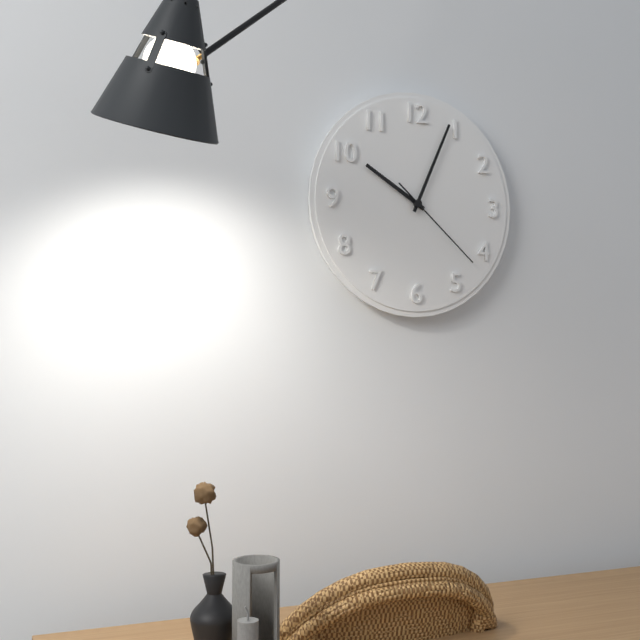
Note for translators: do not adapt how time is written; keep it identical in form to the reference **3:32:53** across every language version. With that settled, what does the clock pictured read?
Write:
**10:04:22**
